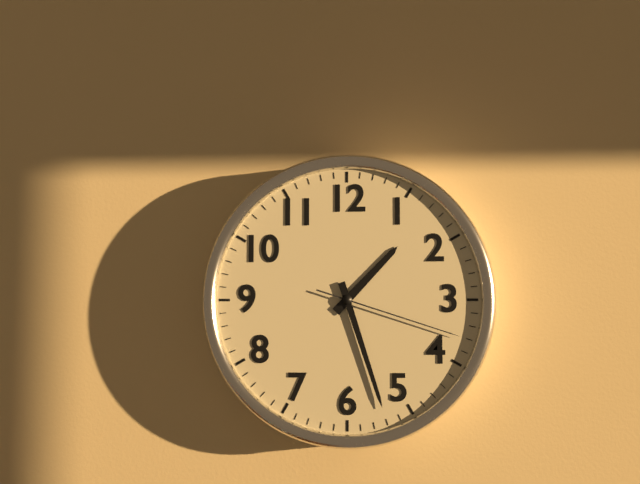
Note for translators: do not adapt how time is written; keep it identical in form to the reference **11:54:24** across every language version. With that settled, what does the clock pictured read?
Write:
**1:27:18**
